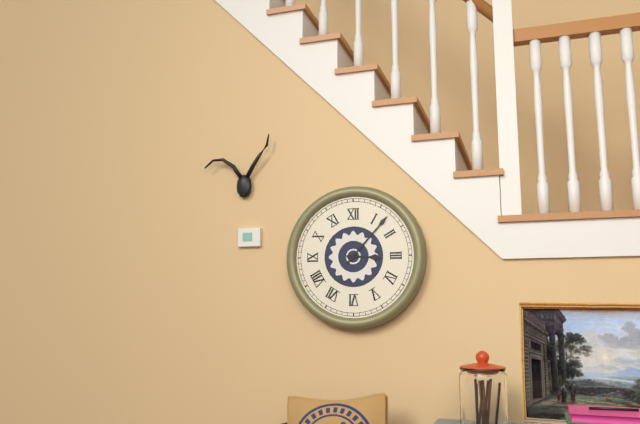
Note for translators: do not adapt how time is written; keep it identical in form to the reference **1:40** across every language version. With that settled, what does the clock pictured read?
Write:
**3:07**
